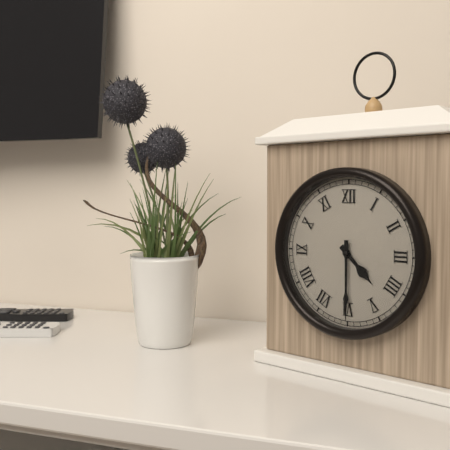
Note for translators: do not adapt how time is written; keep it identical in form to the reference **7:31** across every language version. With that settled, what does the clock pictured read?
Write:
**4:30**
